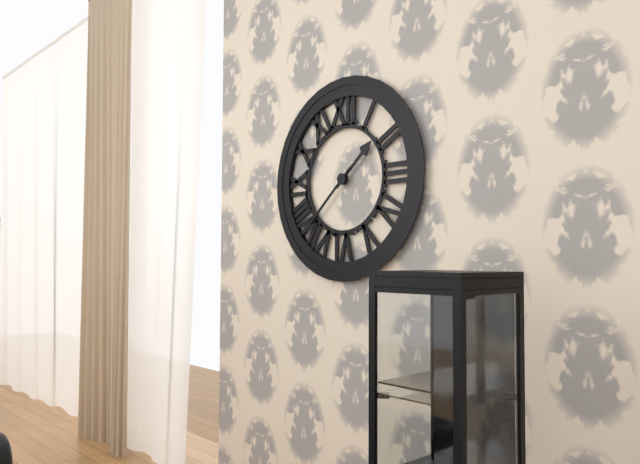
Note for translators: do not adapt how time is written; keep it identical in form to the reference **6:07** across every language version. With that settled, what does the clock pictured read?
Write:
**1:38**
